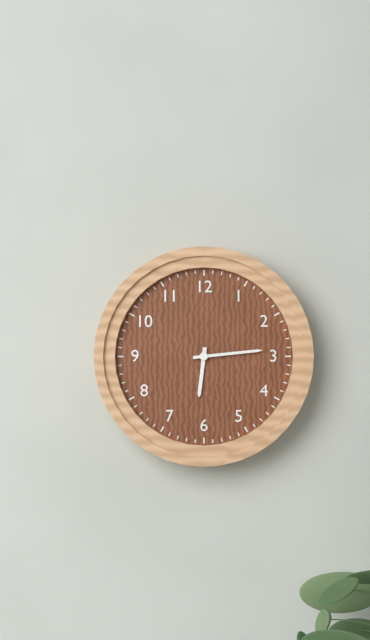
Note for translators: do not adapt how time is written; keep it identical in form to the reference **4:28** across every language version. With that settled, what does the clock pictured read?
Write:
**6:14**
